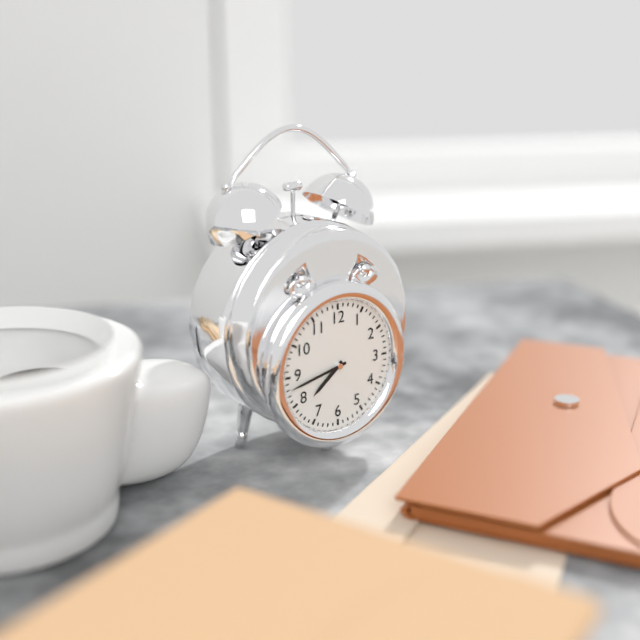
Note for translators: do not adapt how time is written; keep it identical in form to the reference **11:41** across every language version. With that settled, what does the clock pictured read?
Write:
**7:43**
